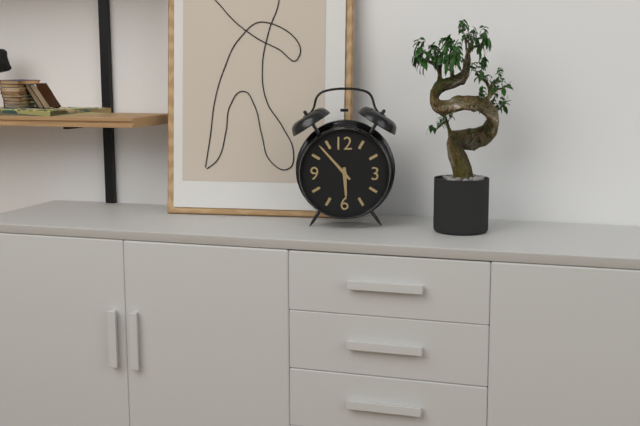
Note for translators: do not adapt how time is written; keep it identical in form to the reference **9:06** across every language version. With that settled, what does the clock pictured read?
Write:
**5:53**
